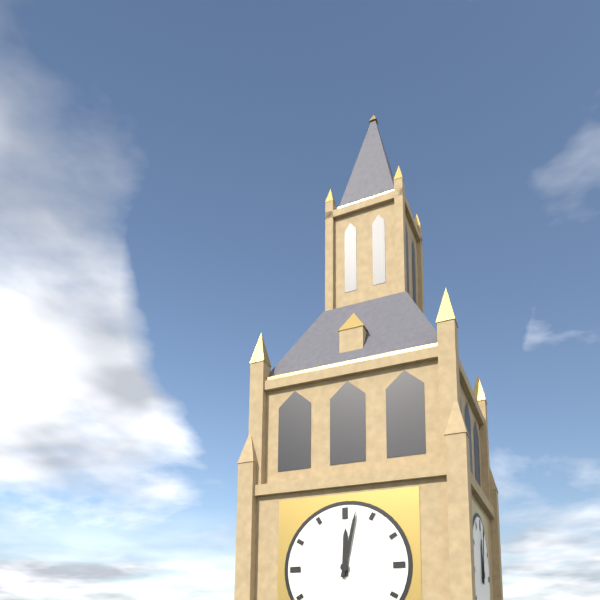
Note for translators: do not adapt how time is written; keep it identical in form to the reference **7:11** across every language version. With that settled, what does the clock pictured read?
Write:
**12:02**
